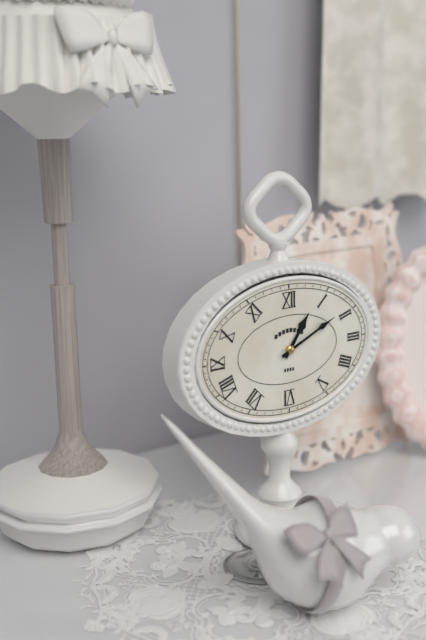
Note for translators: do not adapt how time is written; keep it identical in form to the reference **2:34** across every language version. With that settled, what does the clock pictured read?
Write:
**1:11**
